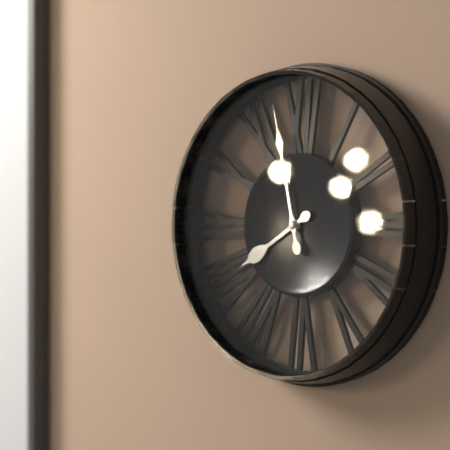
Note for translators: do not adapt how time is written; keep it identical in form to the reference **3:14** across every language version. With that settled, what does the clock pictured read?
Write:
**7:58**
